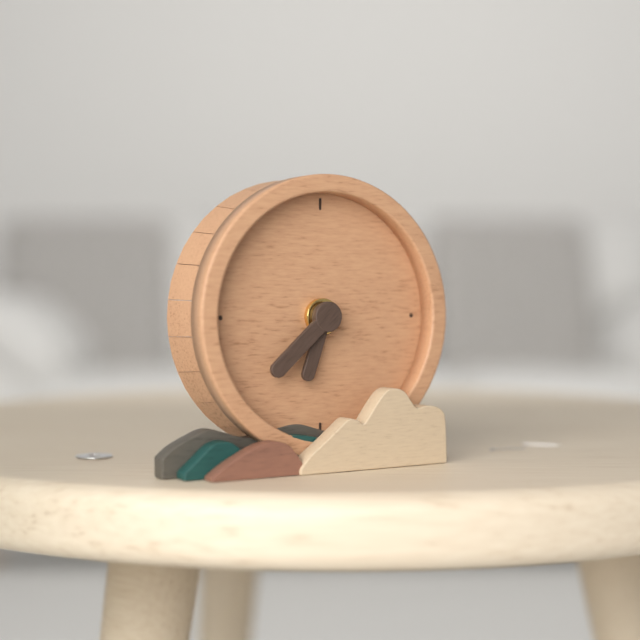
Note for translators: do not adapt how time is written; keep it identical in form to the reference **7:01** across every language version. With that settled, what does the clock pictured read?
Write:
**6:38**
